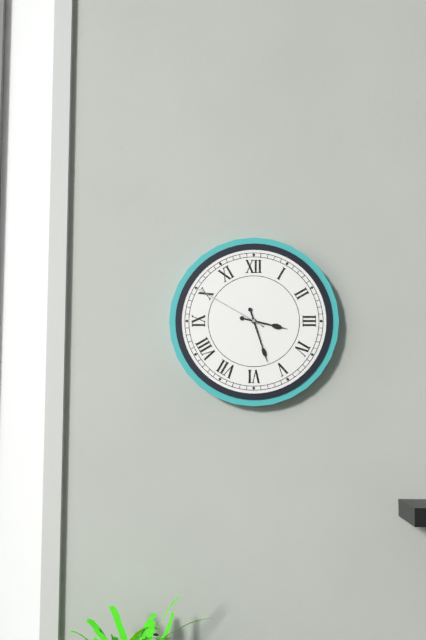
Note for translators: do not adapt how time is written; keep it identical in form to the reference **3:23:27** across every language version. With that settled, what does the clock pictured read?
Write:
**3:27:50**
